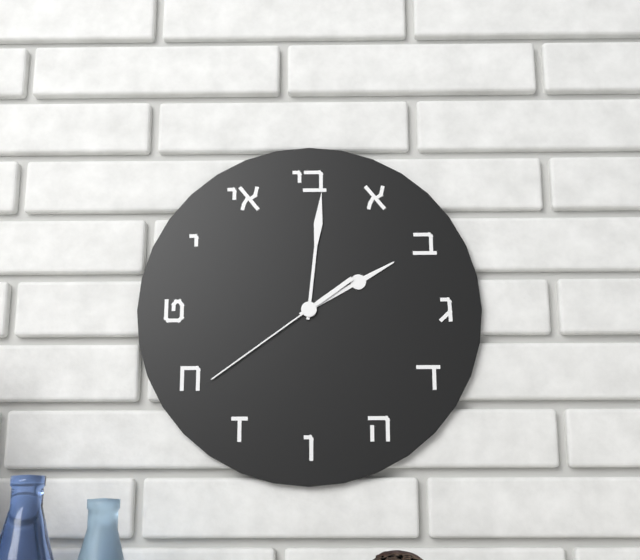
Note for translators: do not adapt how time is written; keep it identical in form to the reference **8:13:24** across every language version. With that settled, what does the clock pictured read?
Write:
**2:01:39**
